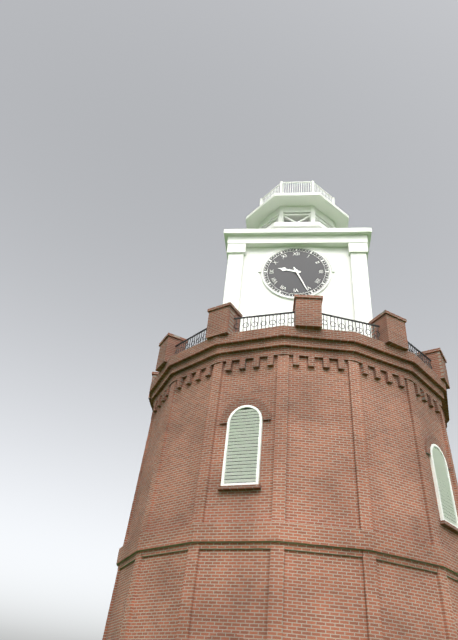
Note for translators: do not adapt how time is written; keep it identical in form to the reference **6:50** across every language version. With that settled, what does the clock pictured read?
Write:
**9:26**
